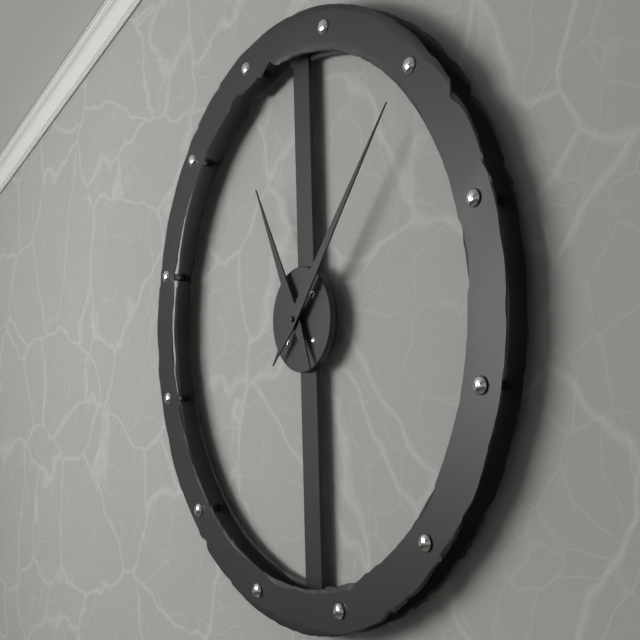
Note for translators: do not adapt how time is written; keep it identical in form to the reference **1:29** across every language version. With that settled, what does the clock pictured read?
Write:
**11:07**
